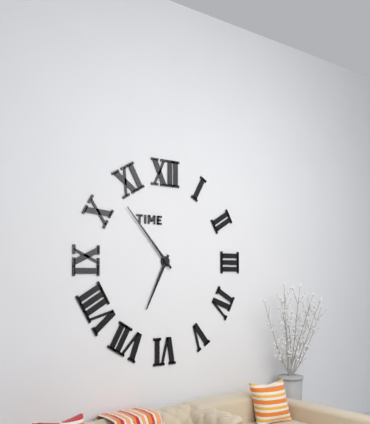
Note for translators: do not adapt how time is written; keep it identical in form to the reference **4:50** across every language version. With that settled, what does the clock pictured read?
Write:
**6:53**
